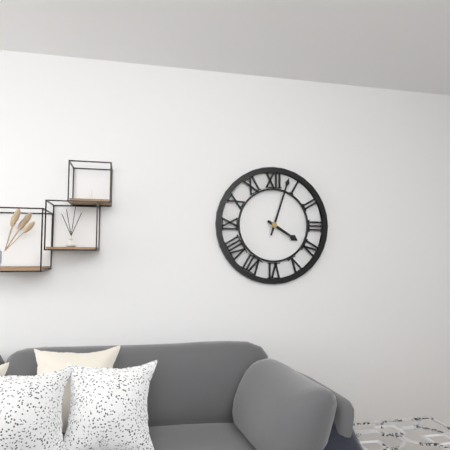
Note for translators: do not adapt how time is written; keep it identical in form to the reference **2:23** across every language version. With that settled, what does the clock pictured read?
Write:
**4:03**
